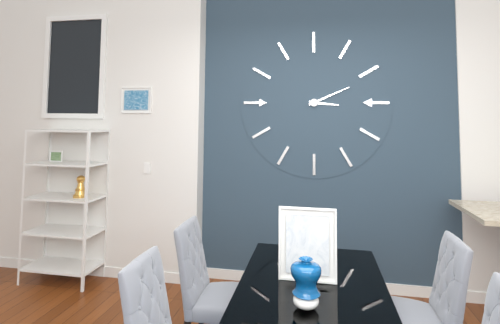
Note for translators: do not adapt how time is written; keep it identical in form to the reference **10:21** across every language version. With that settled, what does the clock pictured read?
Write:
**3:11**
